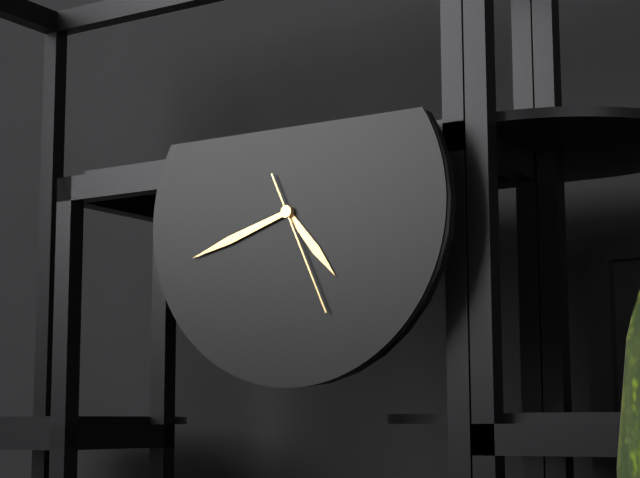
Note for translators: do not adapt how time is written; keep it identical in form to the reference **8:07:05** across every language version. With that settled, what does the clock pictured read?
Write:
**4:42:26**
